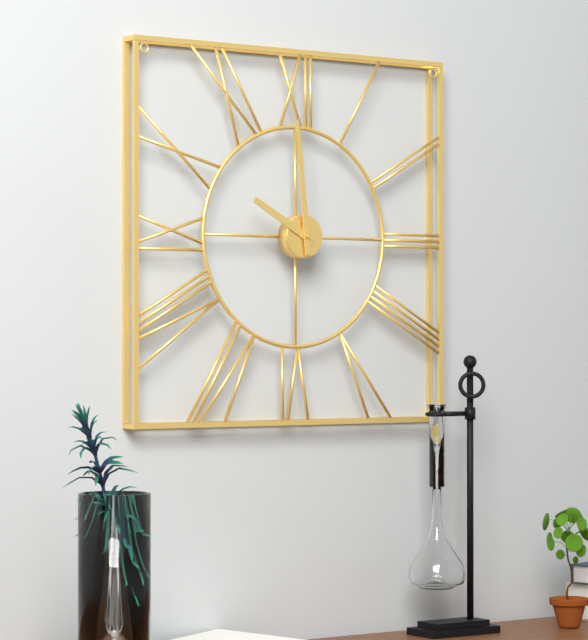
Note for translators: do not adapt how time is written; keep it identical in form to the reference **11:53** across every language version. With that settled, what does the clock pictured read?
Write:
**9:59**
